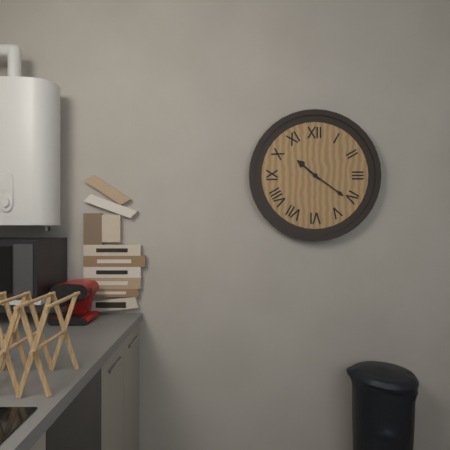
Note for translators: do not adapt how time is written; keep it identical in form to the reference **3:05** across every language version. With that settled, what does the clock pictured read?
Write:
**10:21**
